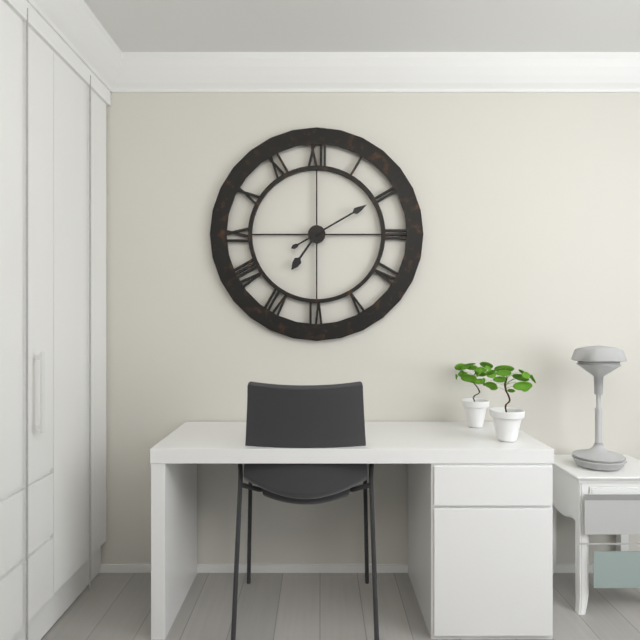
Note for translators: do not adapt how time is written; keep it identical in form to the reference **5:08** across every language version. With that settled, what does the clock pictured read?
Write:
**7:10**
